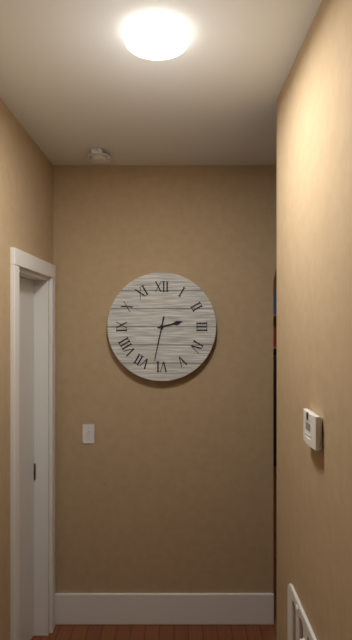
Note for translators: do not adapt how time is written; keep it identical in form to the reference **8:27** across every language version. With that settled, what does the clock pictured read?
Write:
**2:32**
